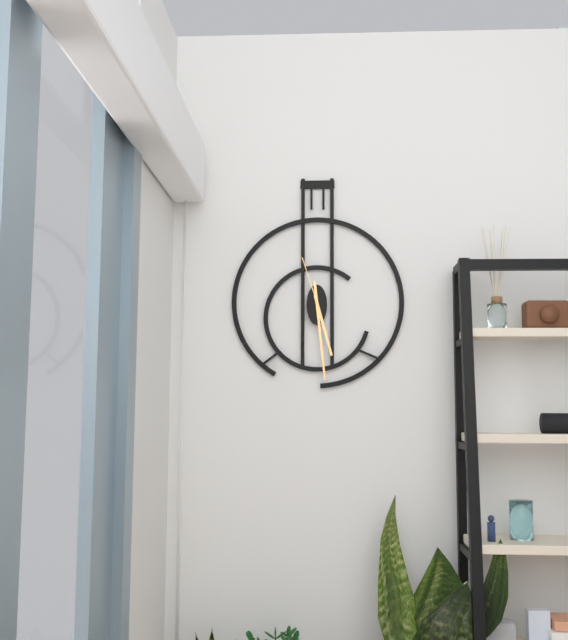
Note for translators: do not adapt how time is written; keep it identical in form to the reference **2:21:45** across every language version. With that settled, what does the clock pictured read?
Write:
**5:29:57**
